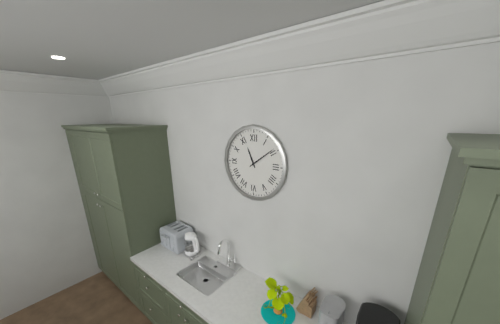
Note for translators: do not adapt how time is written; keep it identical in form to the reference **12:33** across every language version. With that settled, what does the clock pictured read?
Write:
**11:09**
